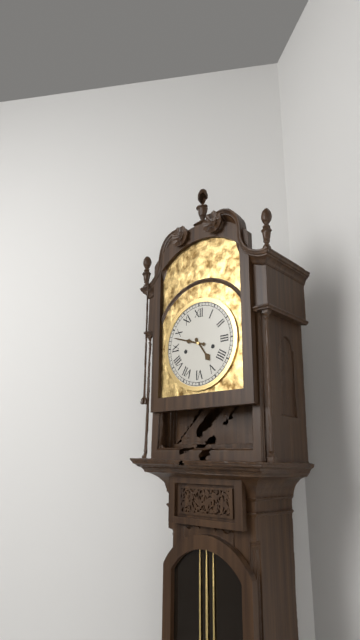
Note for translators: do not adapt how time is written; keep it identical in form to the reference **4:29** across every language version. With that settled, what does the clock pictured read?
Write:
**4:48**
